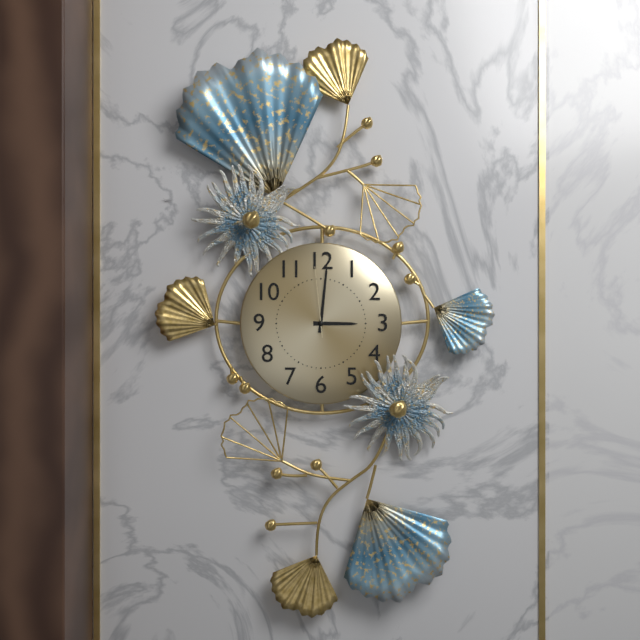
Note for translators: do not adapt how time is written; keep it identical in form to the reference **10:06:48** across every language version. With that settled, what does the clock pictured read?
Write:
**3:01:59**
